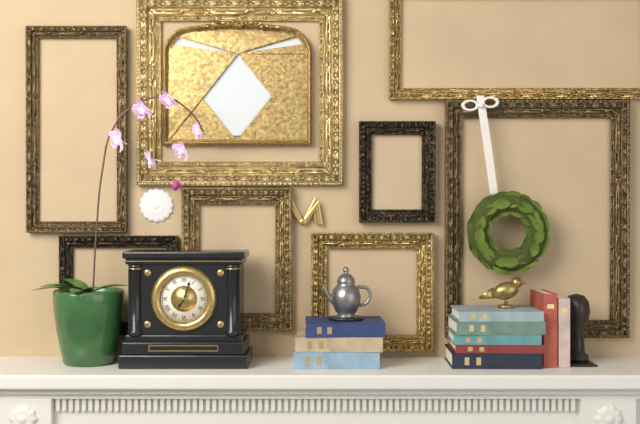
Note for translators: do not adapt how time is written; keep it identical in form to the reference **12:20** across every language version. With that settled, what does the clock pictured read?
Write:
**7:03**
